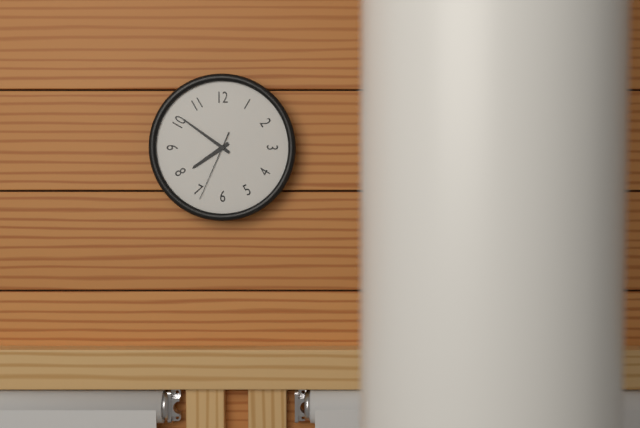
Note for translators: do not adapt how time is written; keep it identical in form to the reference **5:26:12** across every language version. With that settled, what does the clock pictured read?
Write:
**7:51:34**
